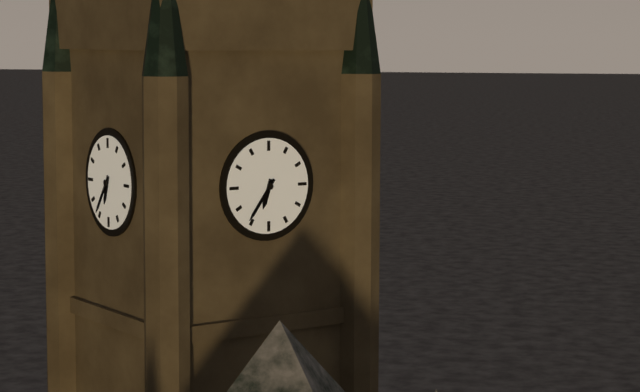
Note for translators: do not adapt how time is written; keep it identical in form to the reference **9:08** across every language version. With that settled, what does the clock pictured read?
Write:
**6:36**
